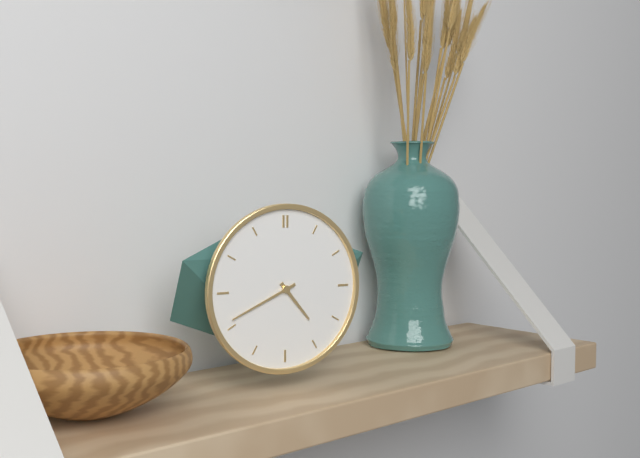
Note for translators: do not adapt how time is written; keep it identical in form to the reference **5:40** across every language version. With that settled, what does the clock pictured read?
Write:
**4:41**
